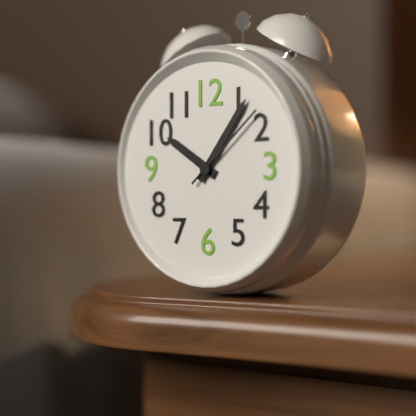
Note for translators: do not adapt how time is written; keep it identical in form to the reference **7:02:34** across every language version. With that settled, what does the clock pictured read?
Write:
**10:06:08**
